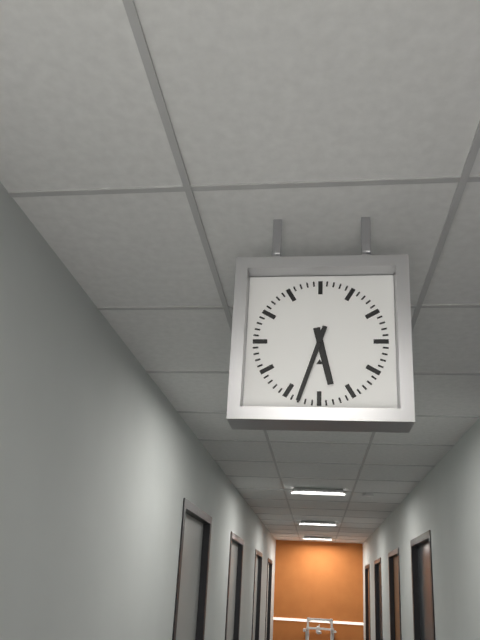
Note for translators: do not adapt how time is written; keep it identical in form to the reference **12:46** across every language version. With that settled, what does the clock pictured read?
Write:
**5:33**
